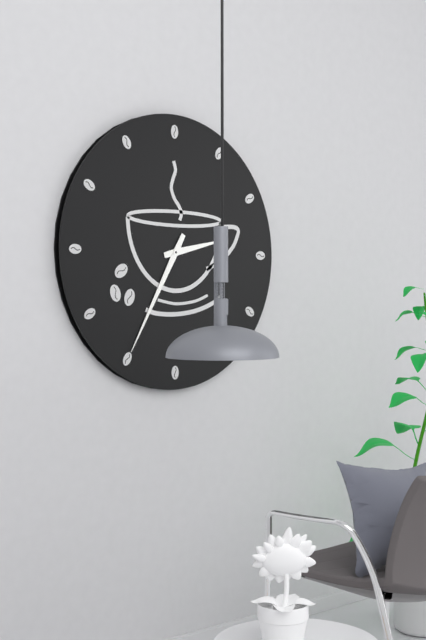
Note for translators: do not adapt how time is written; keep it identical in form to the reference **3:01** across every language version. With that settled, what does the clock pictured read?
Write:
**2:35**
